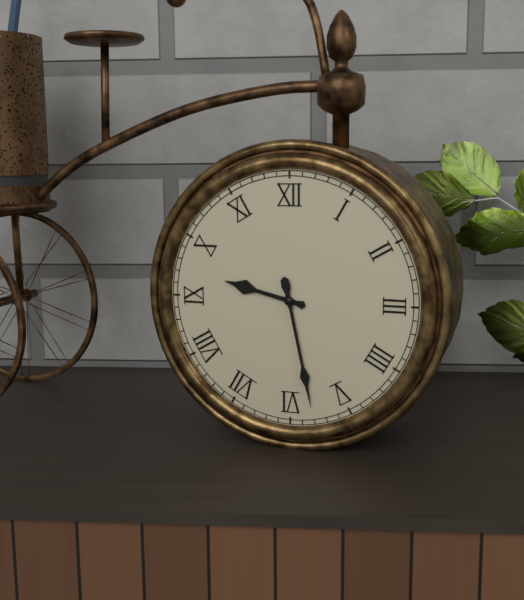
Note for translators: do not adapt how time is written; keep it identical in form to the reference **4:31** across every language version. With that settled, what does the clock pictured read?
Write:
**9:28**
